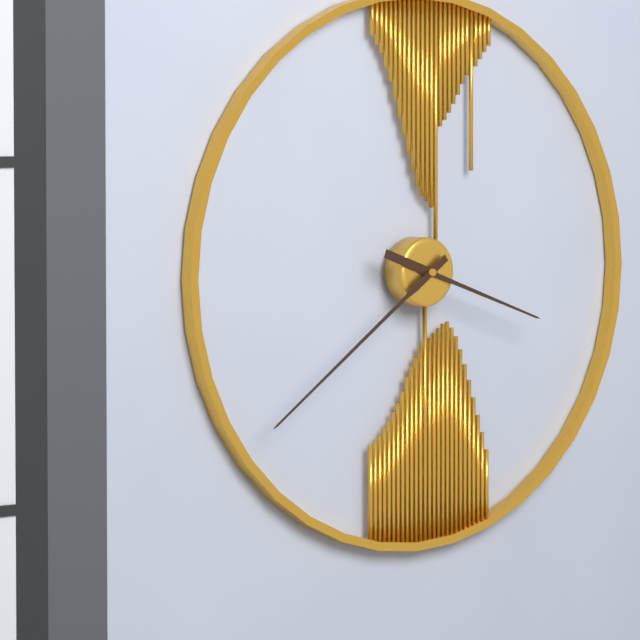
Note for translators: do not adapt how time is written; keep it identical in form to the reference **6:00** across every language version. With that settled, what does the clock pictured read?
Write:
**3:39**
